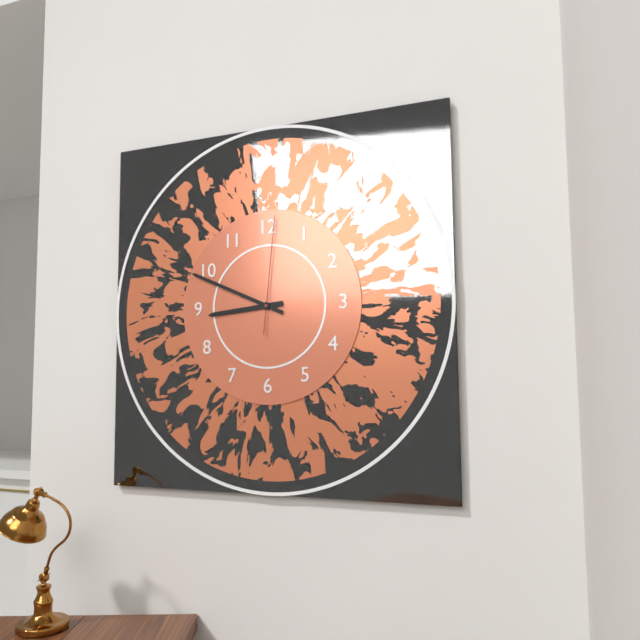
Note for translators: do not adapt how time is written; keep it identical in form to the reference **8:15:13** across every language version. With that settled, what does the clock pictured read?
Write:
**8:49:01**
